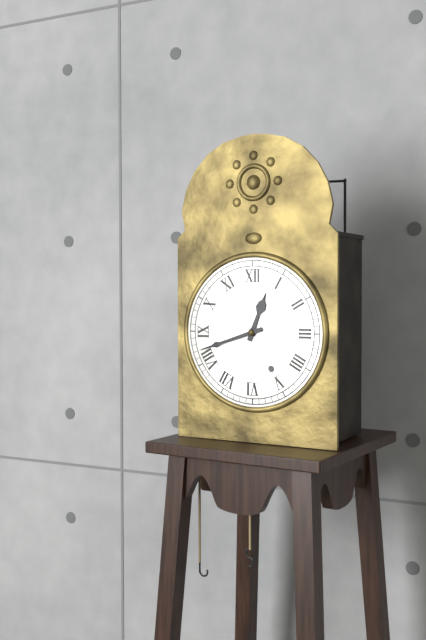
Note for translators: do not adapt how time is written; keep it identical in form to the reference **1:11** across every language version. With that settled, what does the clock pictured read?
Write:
**12:42**
